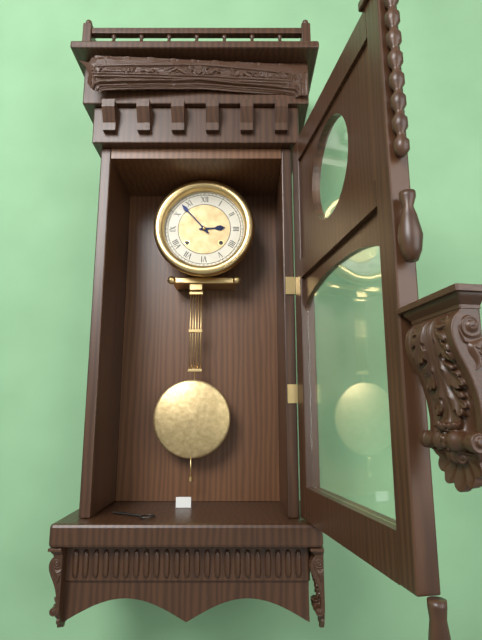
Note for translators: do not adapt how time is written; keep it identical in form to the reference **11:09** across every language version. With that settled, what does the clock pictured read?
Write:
**2:53**
